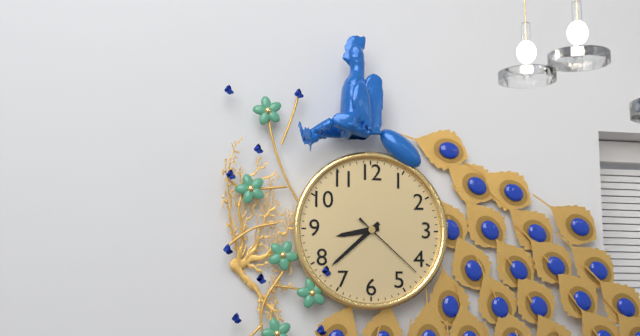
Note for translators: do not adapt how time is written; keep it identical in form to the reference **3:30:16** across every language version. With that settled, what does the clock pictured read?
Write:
**8:38:22**
